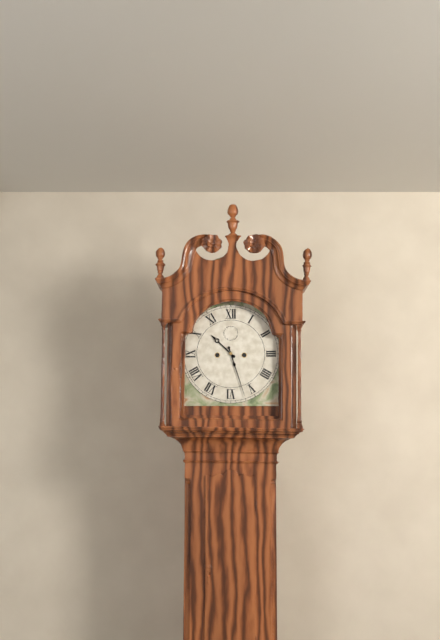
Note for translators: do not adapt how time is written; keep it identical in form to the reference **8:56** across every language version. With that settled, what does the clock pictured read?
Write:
**10:27**
